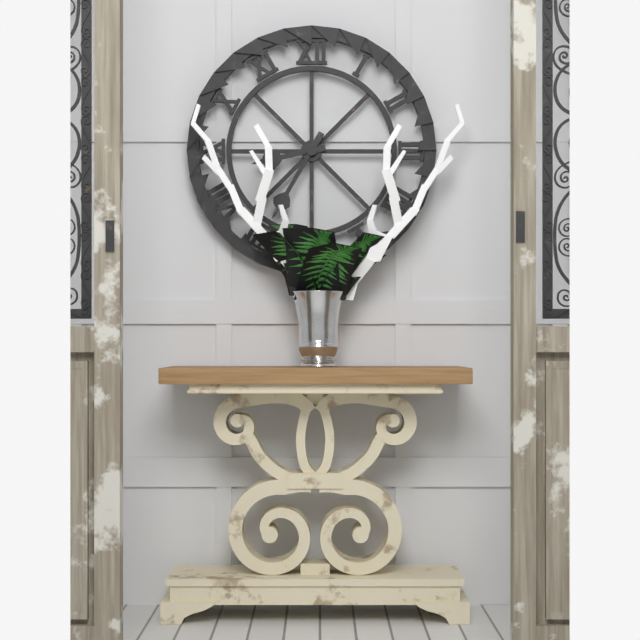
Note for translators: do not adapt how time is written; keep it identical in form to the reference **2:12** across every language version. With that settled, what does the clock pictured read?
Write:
**8:35**
